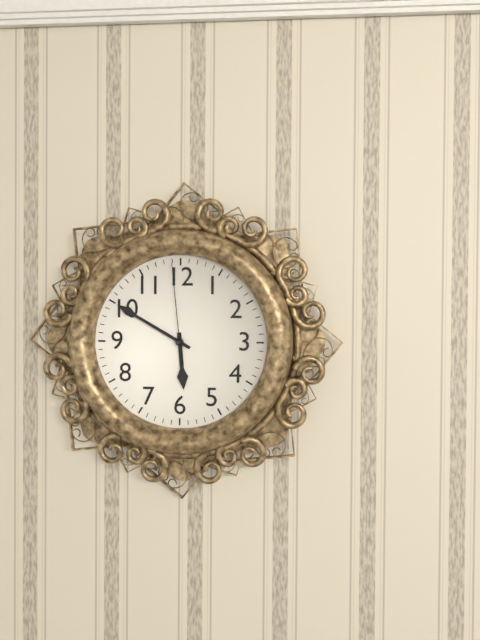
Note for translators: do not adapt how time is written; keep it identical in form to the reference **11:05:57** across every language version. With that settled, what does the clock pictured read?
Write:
**5:50:59**
